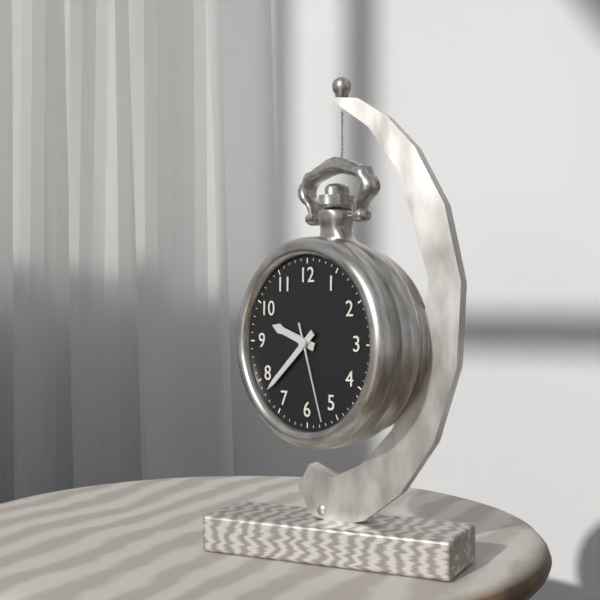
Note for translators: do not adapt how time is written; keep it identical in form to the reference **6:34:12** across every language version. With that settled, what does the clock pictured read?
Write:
**9:38:27**
